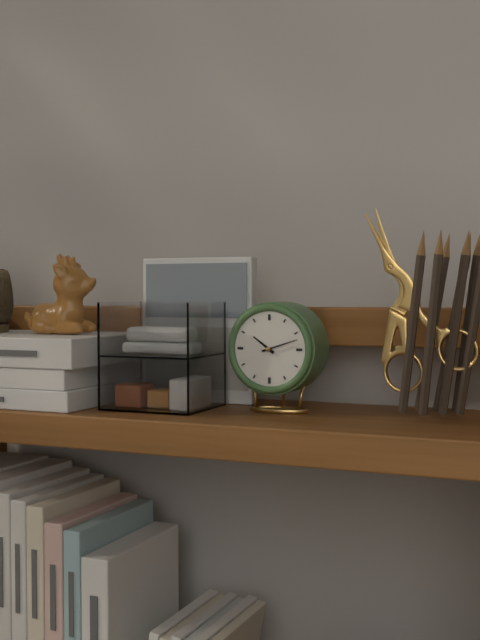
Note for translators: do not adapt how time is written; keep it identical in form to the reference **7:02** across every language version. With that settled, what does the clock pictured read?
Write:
**10:12**
